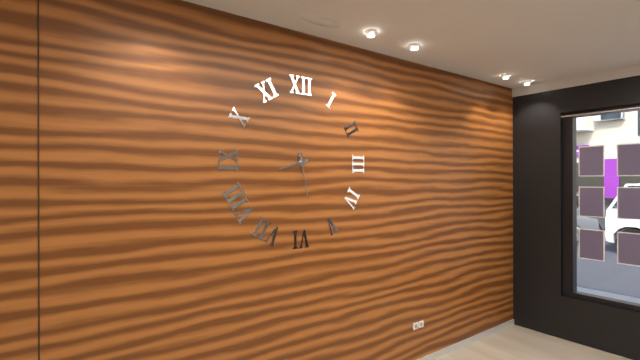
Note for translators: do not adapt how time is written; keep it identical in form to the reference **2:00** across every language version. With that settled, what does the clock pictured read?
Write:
**8:28**
